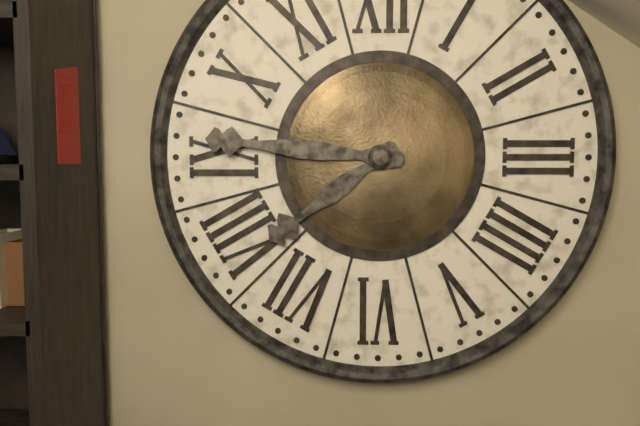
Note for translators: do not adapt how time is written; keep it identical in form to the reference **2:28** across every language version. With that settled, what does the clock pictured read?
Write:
**7:46**
